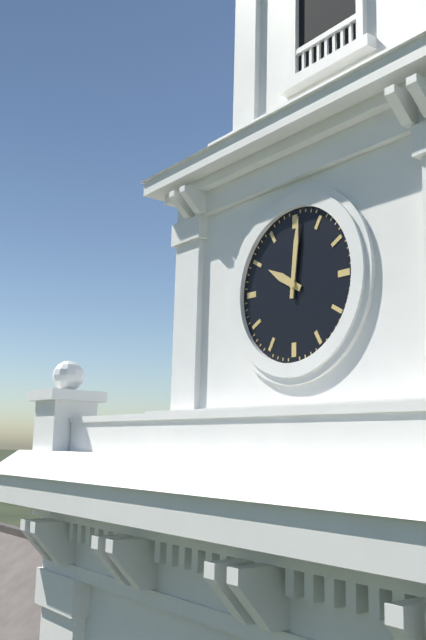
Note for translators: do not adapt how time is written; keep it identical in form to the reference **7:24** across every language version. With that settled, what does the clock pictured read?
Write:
**10:01**
